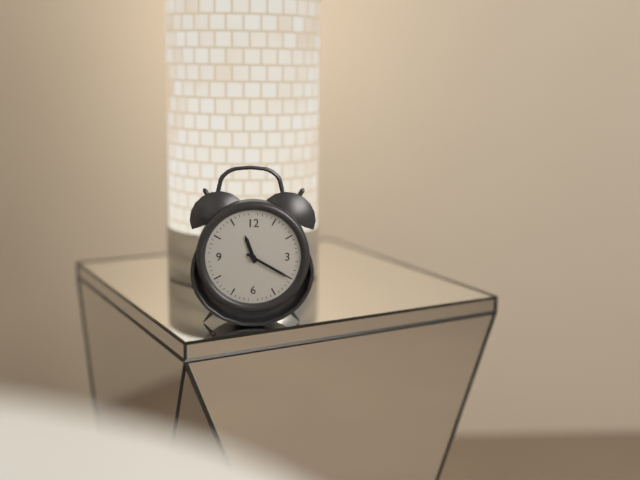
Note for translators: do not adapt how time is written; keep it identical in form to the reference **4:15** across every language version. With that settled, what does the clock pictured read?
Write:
**11:20**
